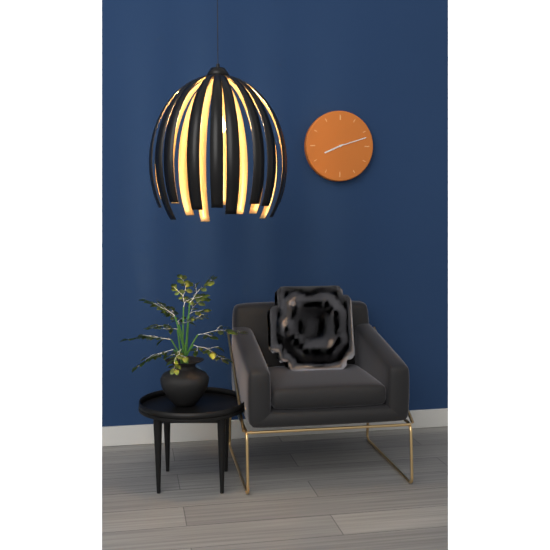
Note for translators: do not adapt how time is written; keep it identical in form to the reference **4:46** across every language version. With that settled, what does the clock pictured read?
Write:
**8:12**
